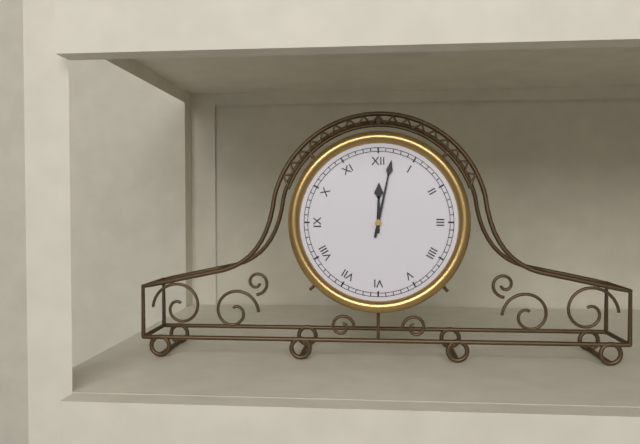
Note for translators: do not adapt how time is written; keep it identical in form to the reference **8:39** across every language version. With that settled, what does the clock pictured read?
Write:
**12:02**
